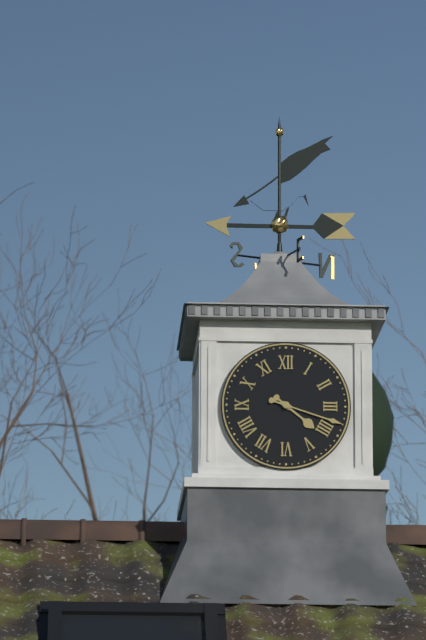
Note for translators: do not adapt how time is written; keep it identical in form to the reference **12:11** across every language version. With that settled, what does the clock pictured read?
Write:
**4:18**
